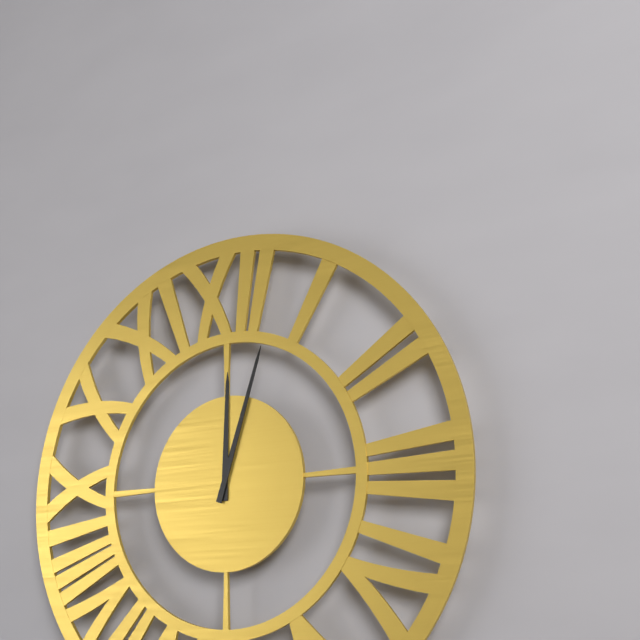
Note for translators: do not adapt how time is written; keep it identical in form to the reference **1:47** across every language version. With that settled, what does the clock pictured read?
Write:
**12:03**
